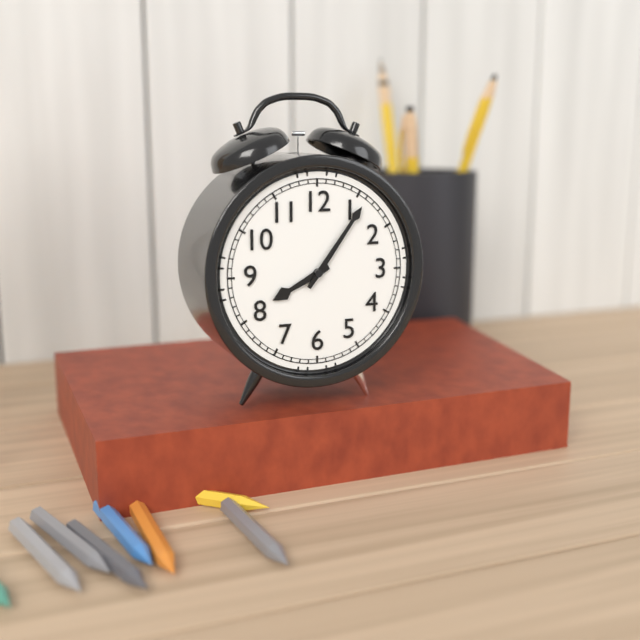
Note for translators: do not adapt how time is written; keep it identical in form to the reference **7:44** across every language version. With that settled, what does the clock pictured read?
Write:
**8:06**
